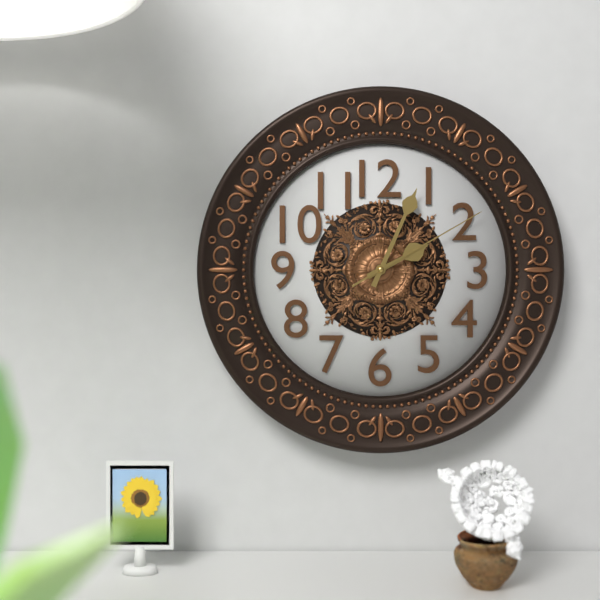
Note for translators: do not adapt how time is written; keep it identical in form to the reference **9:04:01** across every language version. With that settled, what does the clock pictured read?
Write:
**2:04:10**
